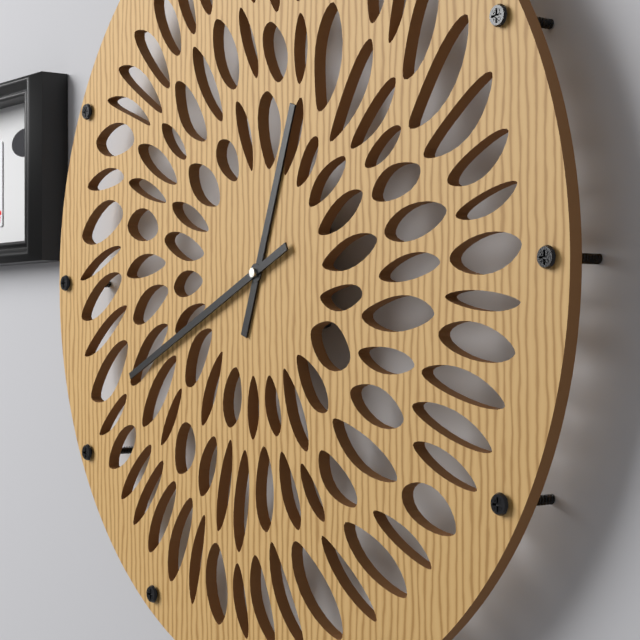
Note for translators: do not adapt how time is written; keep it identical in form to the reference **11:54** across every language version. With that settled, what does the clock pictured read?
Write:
**12:41**
